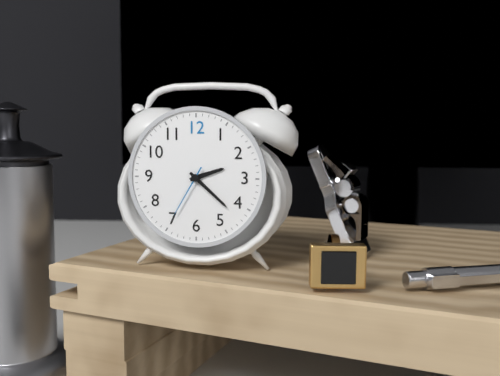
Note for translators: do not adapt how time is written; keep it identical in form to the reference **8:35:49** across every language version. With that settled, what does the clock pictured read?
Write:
**2:22:35**
